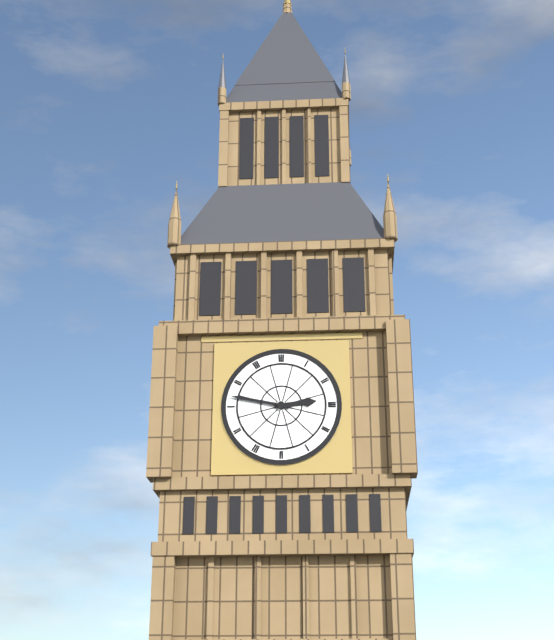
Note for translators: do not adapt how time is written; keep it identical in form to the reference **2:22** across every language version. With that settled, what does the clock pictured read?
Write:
**2:47**
